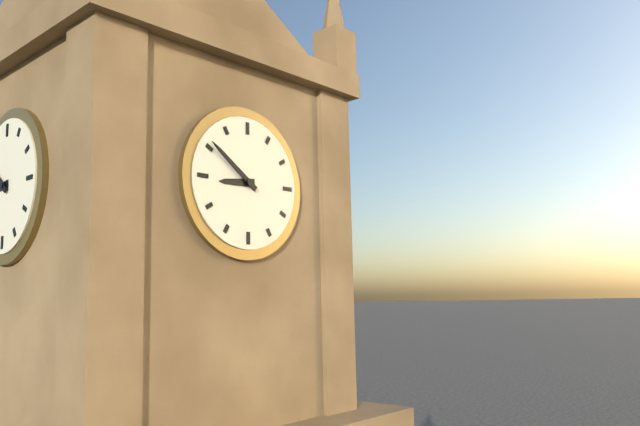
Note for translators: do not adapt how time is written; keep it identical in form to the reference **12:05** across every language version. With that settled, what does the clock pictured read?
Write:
**8:51**
